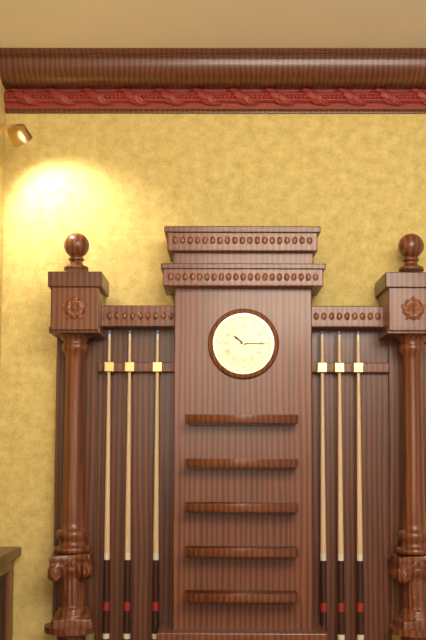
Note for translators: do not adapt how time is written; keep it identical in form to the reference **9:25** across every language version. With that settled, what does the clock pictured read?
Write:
**10:15**
